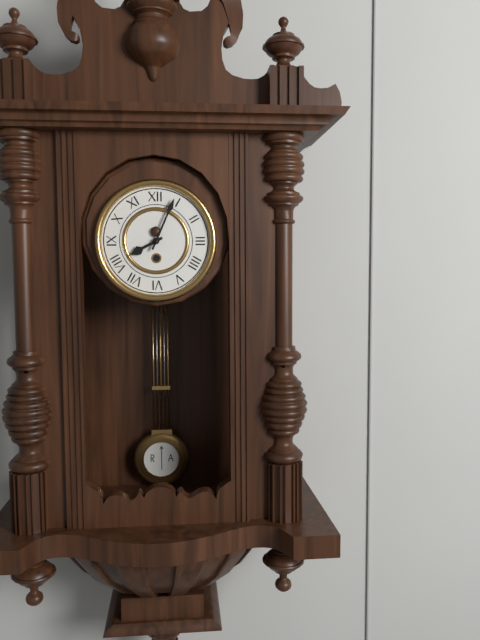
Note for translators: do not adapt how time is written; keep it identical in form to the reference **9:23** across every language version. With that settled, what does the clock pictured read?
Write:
**8:04**
